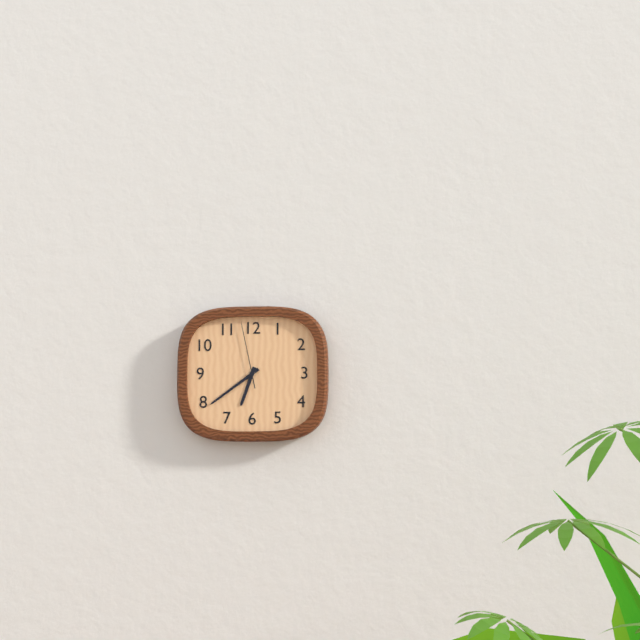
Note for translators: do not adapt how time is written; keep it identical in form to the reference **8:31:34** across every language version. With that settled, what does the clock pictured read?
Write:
**6:39:58**
